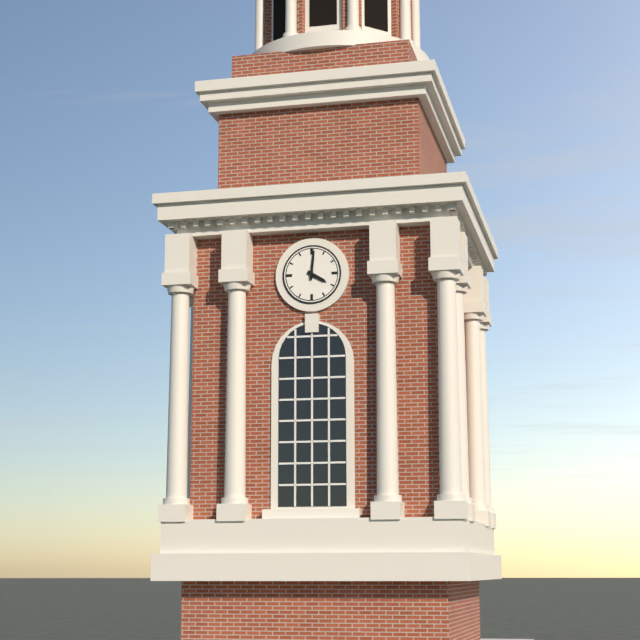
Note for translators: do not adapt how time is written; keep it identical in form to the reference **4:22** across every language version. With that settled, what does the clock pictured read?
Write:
**4:01**
